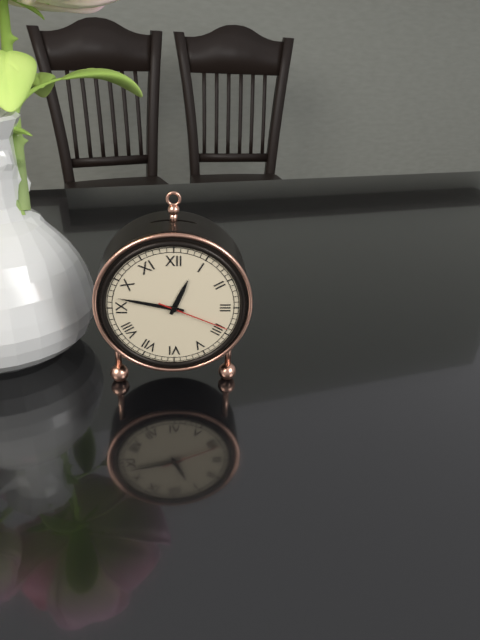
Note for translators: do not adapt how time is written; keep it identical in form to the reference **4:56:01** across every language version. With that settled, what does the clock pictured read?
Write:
**12:47:19**
